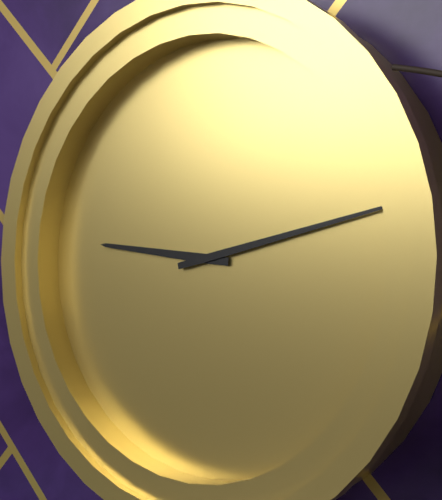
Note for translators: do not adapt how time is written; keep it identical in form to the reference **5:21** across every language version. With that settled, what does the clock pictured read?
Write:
**9:13**
